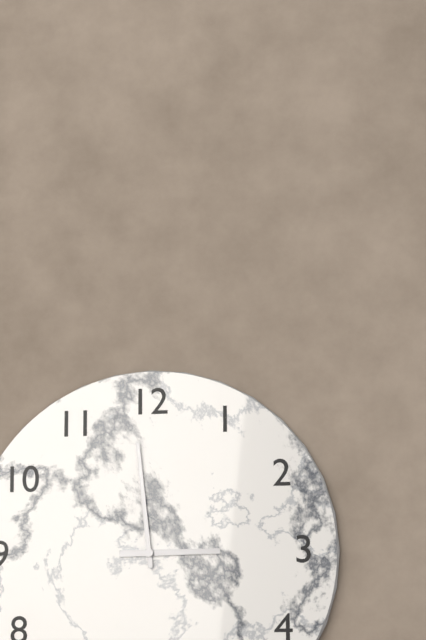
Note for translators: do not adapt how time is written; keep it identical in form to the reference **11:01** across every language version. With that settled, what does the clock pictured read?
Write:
**2:59**
